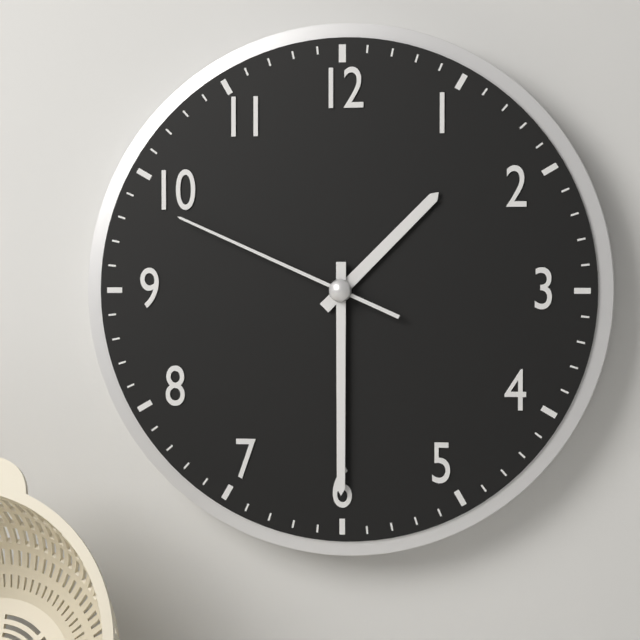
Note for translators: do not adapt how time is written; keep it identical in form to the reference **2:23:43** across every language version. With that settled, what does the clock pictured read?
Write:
**1:30:49**
